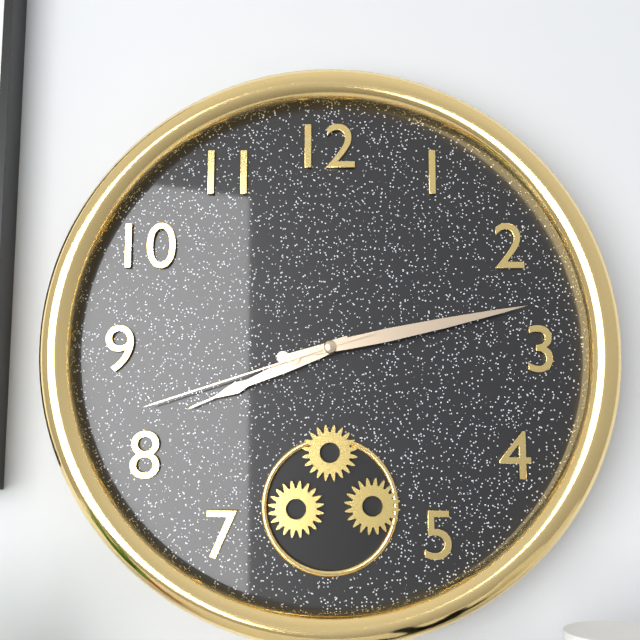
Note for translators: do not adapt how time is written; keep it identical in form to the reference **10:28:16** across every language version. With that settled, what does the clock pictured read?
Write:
**8:13:42**
